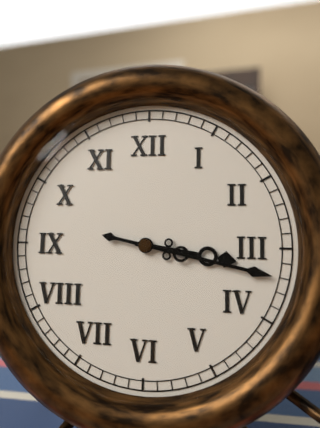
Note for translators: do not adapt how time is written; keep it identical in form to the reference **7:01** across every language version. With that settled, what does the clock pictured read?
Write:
**3:17**
